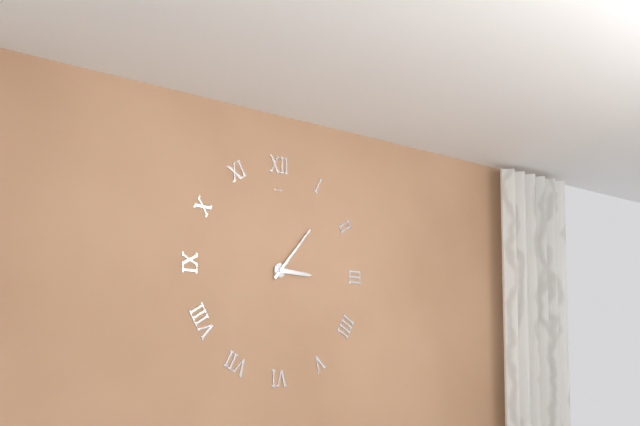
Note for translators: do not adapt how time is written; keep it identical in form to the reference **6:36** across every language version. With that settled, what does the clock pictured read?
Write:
**3:07**
